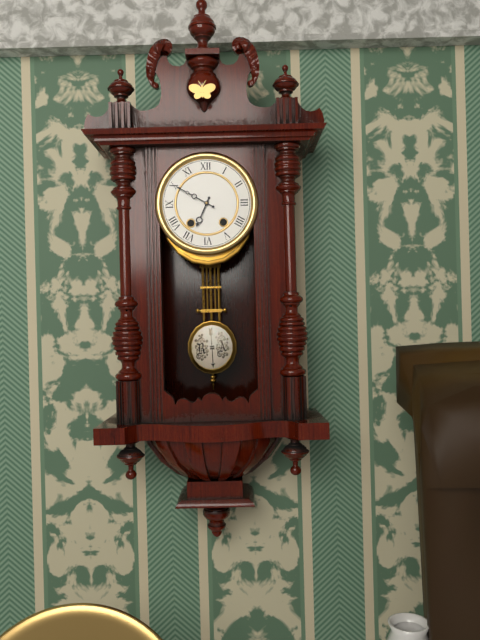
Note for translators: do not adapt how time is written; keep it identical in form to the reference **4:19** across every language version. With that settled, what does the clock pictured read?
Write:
**6:50**
